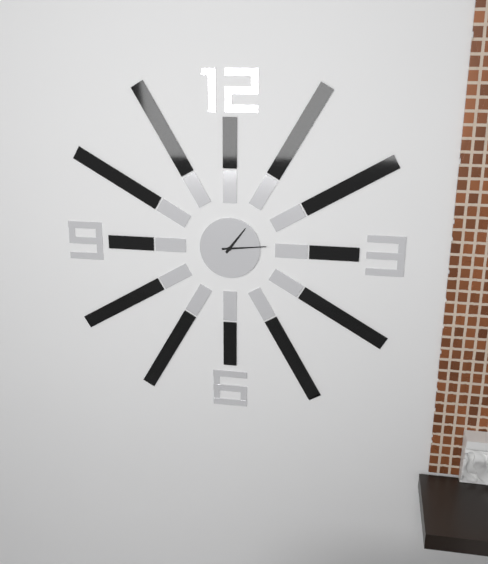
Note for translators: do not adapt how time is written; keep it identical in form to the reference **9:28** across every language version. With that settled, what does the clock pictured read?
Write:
**1:14**
